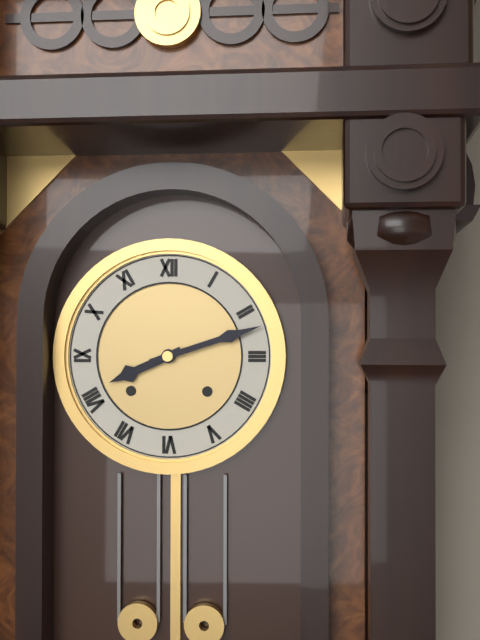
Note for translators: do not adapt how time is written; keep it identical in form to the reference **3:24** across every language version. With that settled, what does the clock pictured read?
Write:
**8:12**
